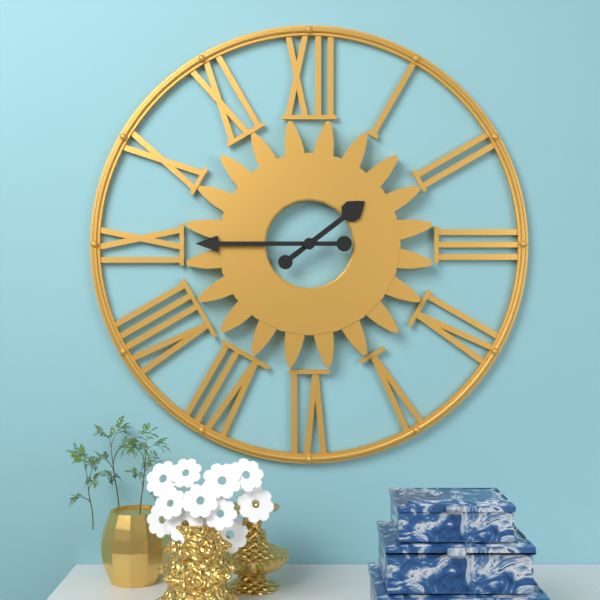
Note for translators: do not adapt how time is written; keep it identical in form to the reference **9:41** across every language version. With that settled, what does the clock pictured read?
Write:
**1:45**
